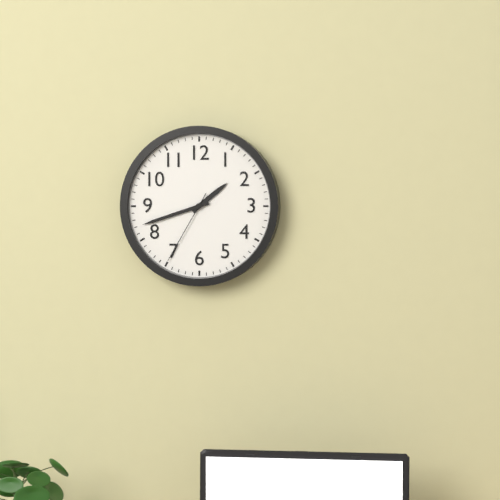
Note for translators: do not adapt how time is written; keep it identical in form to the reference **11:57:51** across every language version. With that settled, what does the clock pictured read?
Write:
**1:42:35**
